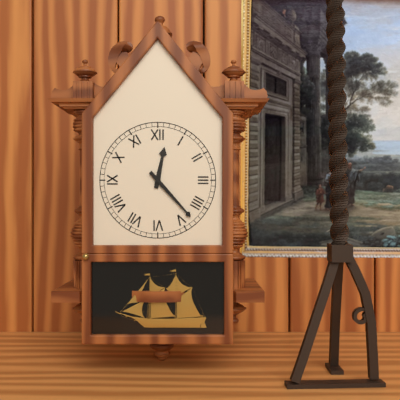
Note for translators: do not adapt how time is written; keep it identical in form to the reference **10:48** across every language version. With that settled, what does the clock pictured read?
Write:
**12:23**
